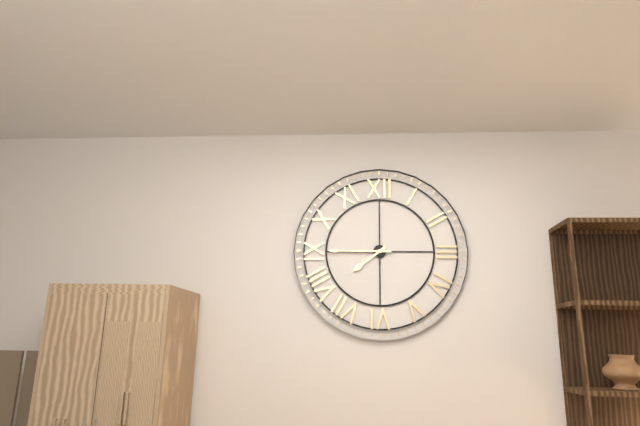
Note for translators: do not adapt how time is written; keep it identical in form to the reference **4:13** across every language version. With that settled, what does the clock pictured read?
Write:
**7:45**
